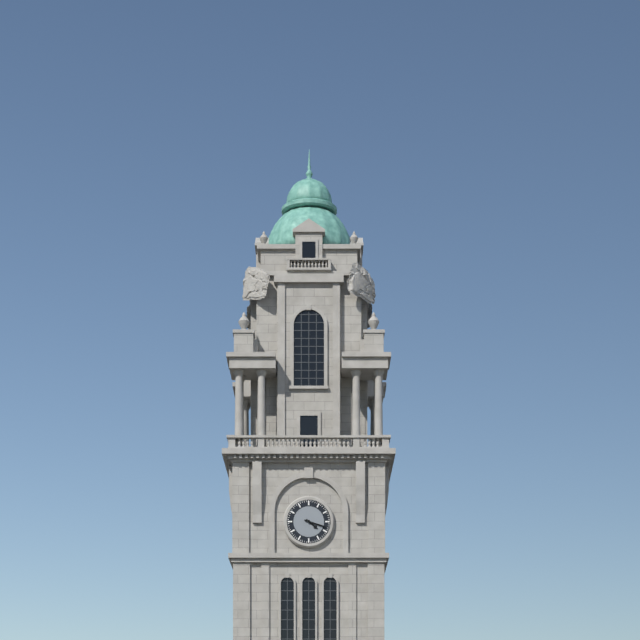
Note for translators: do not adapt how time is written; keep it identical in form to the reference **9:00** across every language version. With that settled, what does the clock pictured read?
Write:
**4:18**
